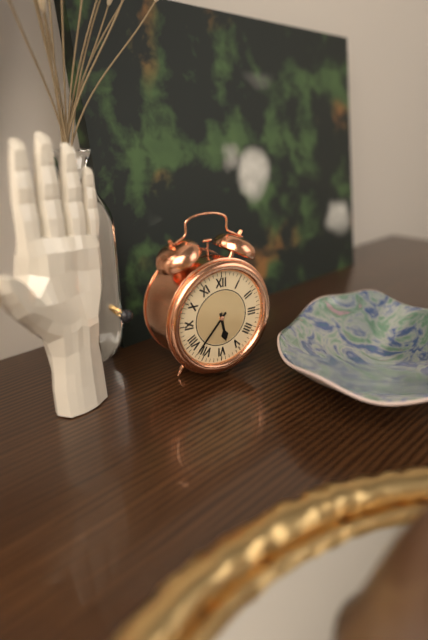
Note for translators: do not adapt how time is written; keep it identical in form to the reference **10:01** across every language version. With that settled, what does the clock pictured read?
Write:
**5:37**
